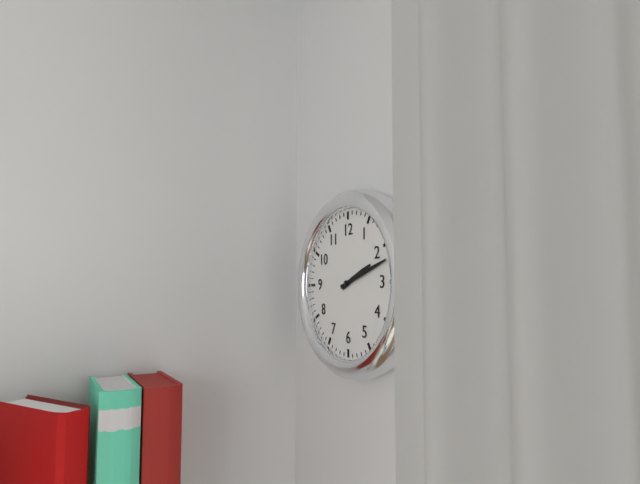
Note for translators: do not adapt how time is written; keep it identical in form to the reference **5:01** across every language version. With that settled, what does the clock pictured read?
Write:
**2:12**
